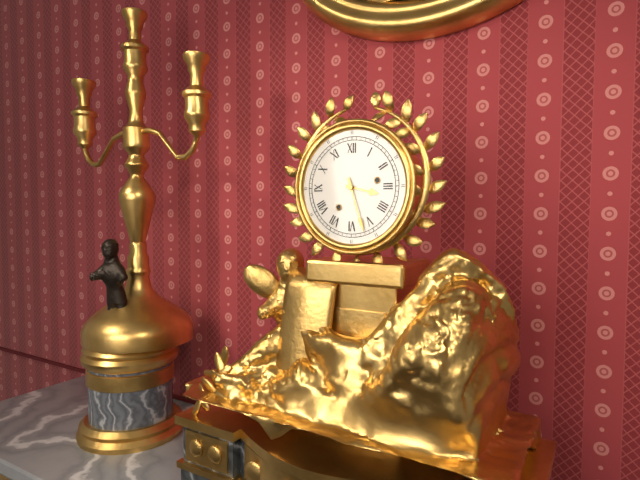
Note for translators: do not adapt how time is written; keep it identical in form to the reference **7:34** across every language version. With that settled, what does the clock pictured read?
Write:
**3:27**
